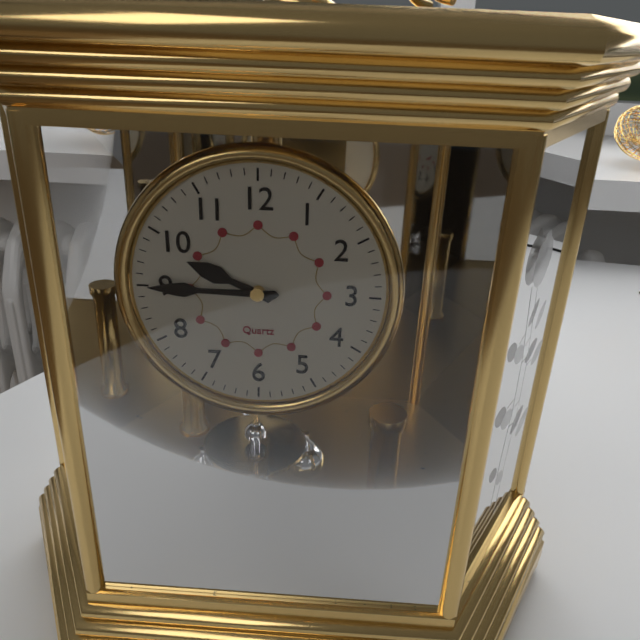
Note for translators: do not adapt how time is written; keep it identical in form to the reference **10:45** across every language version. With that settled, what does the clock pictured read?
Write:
**9:45**
